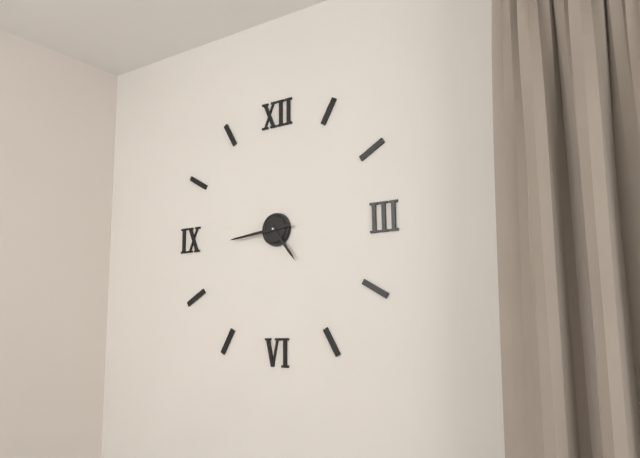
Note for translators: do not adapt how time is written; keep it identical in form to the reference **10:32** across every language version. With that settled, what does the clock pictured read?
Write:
**4:44**
